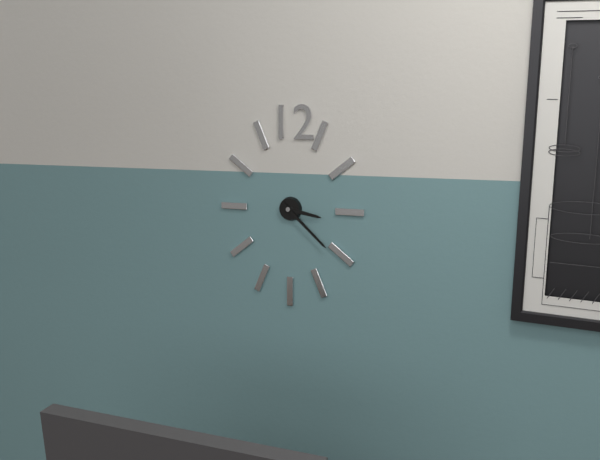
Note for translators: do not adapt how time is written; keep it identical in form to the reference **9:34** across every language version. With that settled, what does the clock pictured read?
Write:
**3:22**
